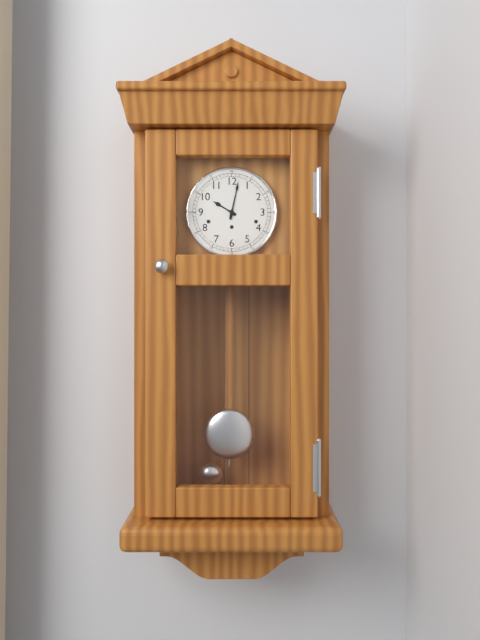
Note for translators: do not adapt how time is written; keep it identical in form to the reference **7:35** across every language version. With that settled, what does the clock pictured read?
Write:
**10:02**
